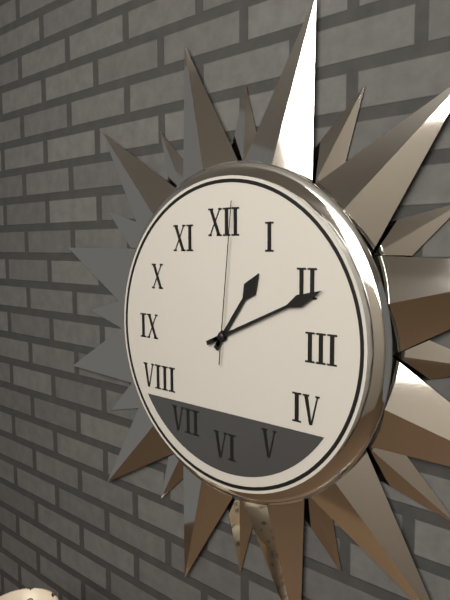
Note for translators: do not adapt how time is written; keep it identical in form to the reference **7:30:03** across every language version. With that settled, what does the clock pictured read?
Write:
**1:11:01**
